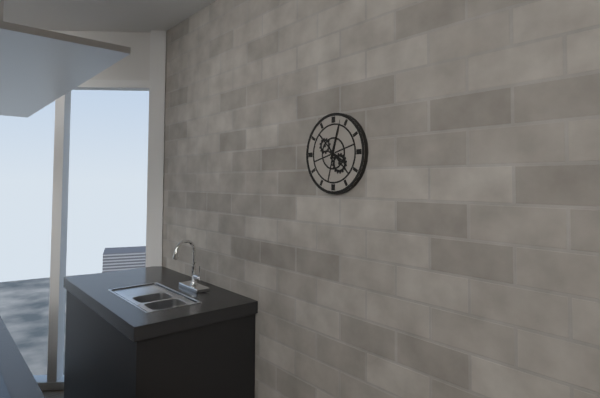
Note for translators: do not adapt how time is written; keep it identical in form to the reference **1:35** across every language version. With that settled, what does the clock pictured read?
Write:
**4:03**
